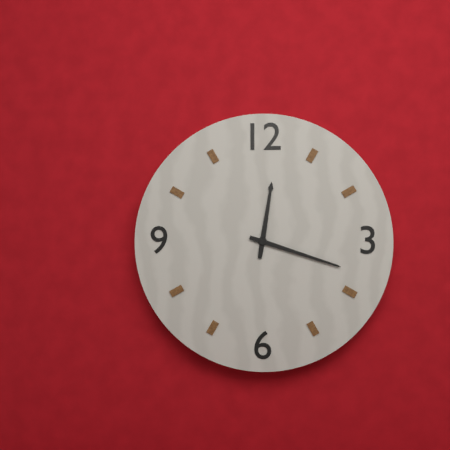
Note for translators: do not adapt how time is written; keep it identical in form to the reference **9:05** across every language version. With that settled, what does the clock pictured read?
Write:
**12:18**
